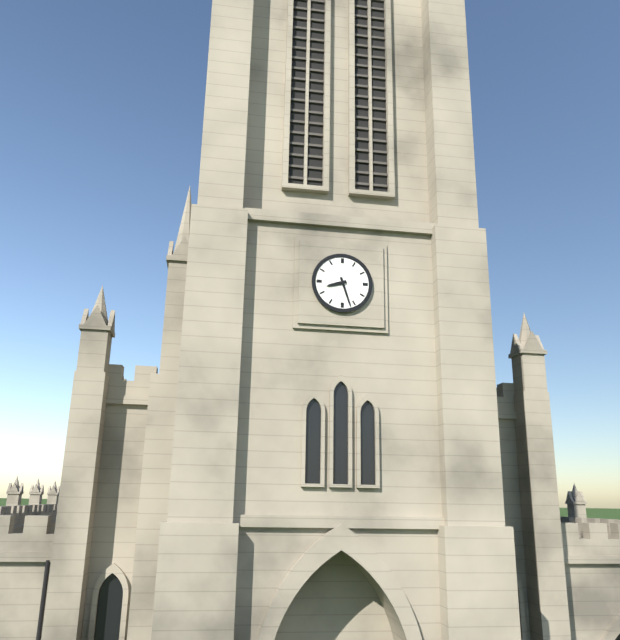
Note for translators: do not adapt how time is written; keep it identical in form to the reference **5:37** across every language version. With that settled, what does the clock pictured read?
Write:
**8:27**
